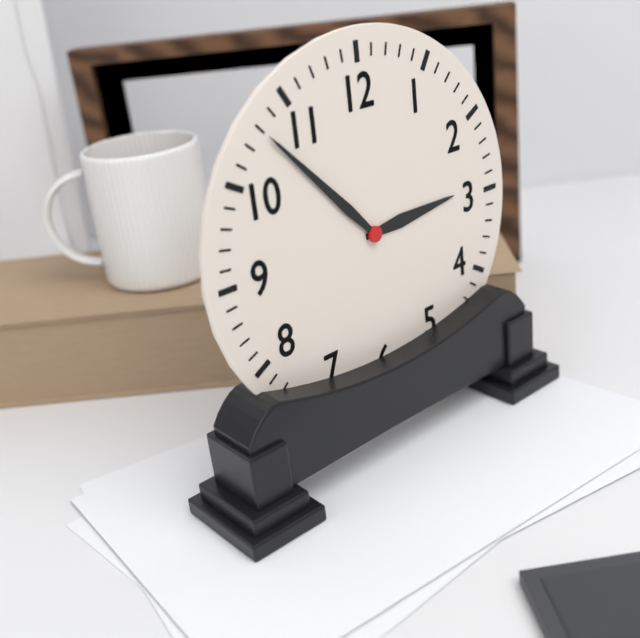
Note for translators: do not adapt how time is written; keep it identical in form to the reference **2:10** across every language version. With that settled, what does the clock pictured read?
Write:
**2:53**
